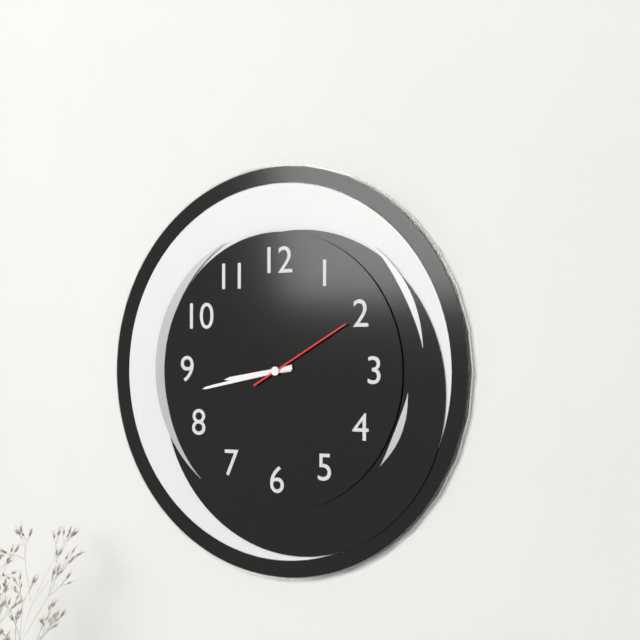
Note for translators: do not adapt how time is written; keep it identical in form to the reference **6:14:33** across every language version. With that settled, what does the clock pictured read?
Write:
**8:43:10**
